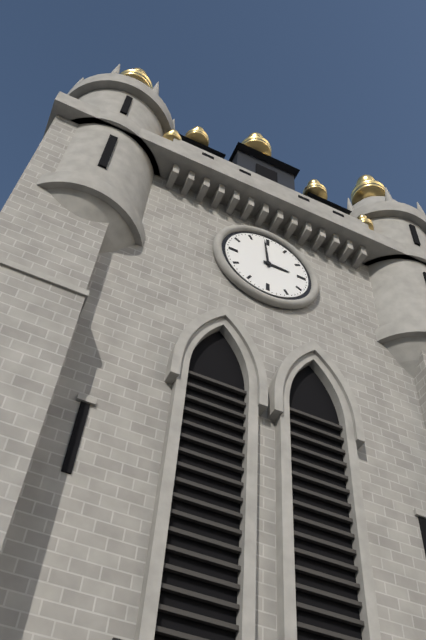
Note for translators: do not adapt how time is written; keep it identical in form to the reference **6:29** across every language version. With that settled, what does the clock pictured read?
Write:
**2:59**
